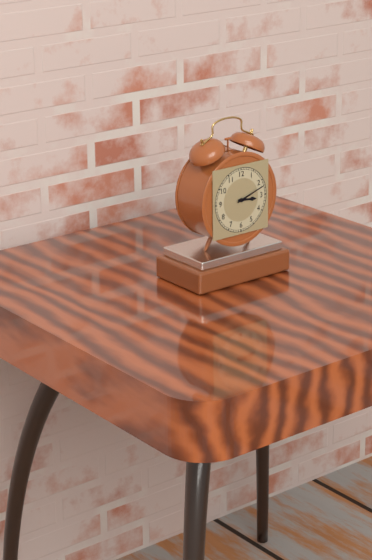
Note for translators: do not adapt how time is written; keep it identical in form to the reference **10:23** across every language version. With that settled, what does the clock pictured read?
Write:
**3:12**
